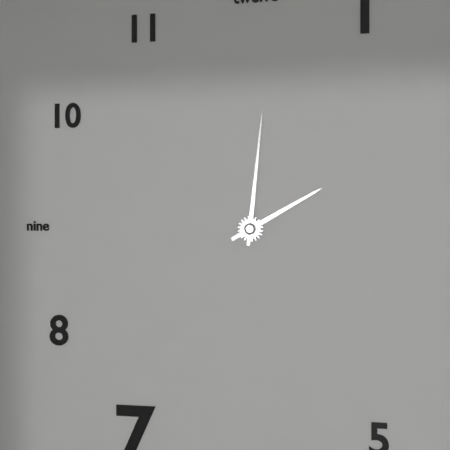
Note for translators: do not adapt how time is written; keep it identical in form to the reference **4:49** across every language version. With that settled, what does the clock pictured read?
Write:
**2:01**
